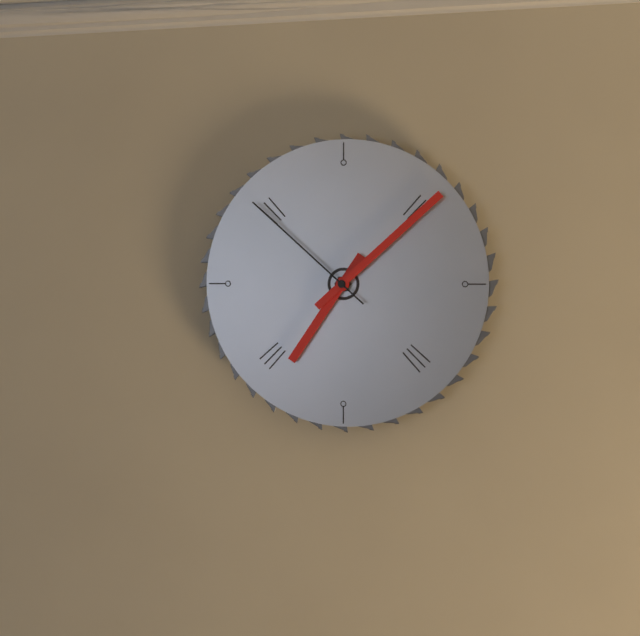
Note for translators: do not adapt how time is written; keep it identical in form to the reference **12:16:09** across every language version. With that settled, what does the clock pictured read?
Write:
**7:08:52**
